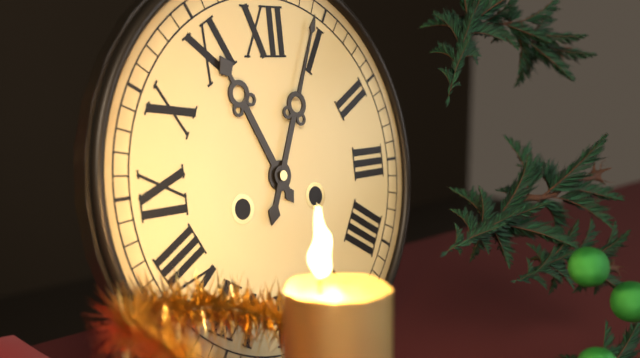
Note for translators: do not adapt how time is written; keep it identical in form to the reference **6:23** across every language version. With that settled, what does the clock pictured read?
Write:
**11:04**
